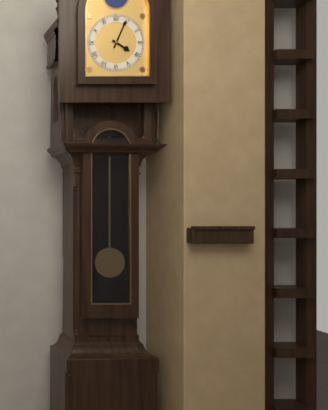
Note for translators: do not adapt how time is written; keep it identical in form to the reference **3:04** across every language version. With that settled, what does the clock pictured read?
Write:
**4:04**
